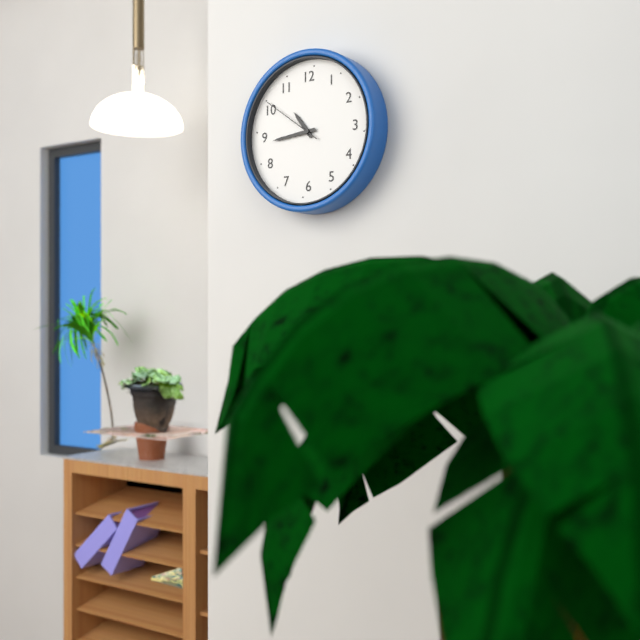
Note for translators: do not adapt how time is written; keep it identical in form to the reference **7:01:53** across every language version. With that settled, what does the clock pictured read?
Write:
**10:44:51**
